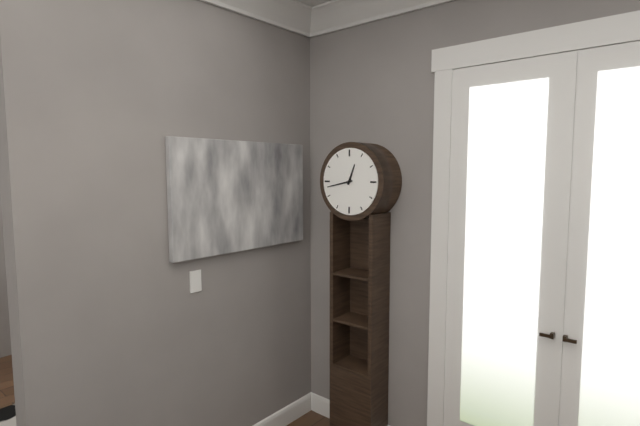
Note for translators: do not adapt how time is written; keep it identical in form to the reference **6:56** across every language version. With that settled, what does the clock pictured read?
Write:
**12:43**
